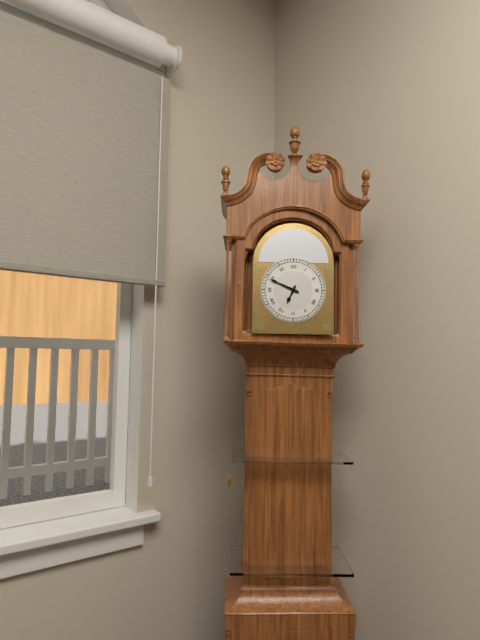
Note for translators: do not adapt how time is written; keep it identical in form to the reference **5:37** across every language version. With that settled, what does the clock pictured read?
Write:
**6:49**
